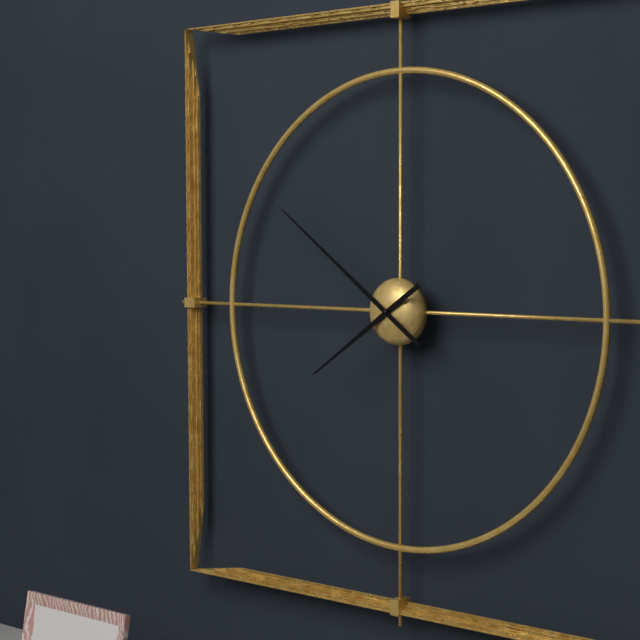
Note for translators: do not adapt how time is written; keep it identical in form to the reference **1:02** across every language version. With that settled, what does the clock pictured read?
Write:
**7:51**
